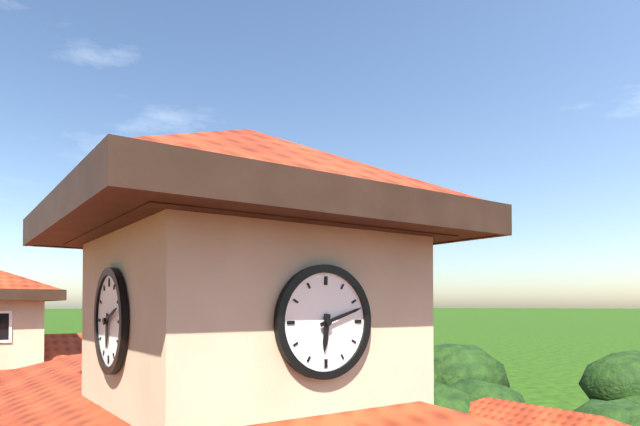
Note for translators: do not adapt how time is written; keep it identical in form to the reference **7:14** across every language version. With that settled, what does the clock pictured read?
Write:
**6:12**
